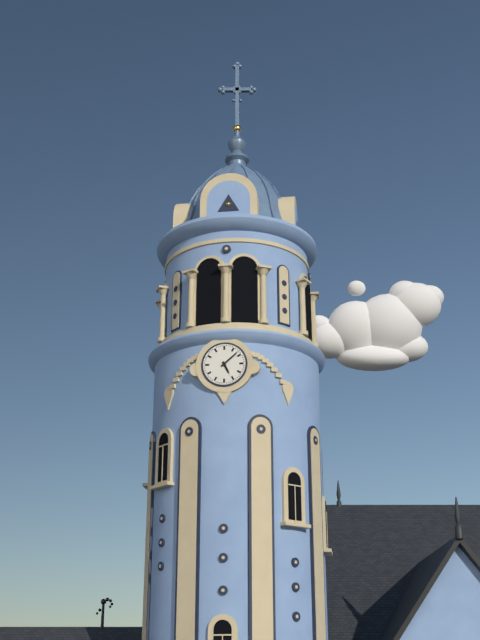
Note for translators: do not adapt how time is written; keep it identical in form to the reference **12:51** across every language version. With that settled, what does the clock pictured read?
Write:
**5:08**
